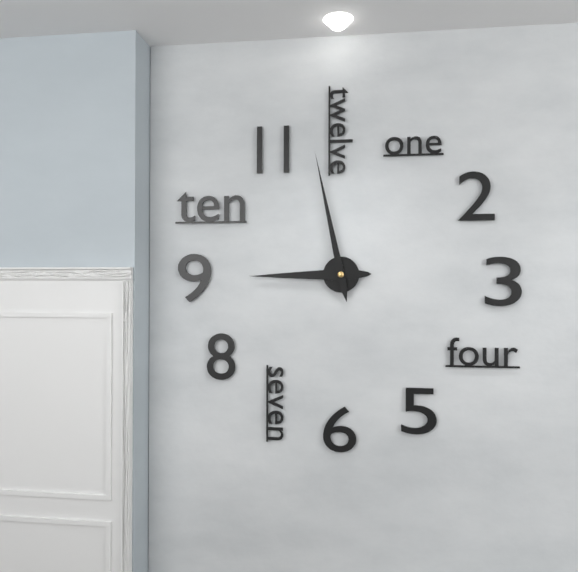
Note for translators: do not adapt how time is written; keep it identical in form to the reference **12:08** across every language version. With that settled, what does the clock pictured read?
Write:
**8:58**
